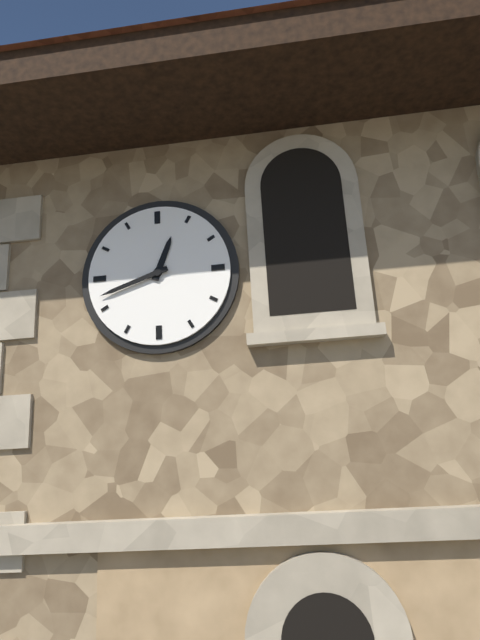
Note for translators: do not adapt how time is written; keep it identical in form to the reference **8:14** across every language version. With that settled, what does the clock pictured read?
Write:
**12:42**
